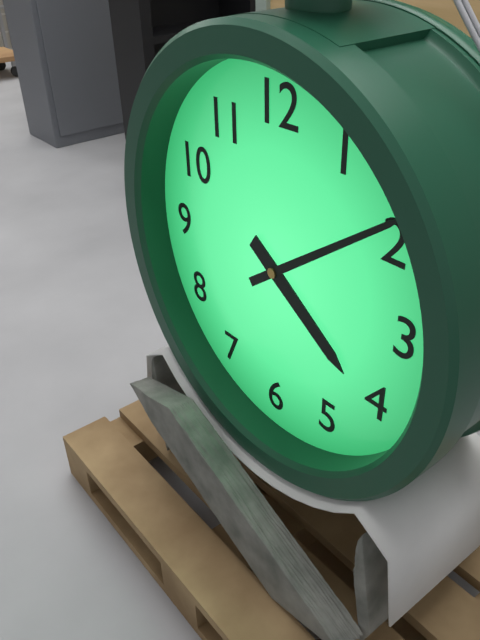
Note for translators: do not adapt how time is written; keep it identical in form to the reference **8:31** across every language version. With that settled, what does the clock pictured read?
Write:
**4:09**
